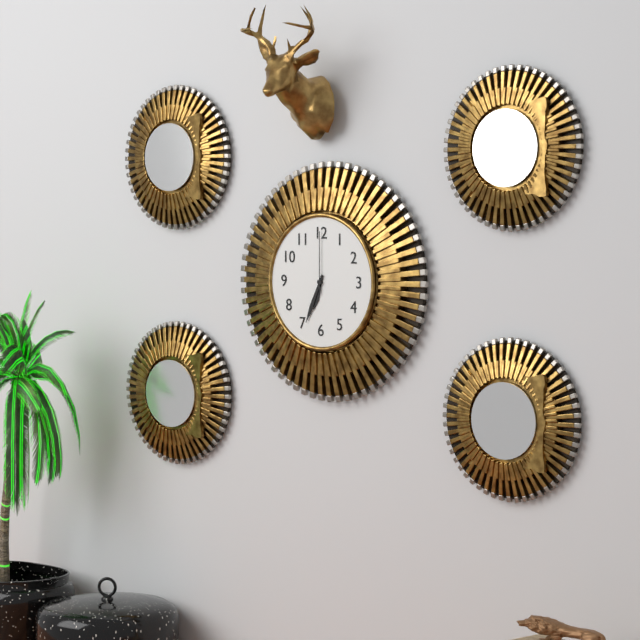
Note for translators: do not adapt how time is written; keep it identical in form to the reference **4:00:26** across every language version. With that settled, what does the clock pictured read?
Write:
**6:34:00**
